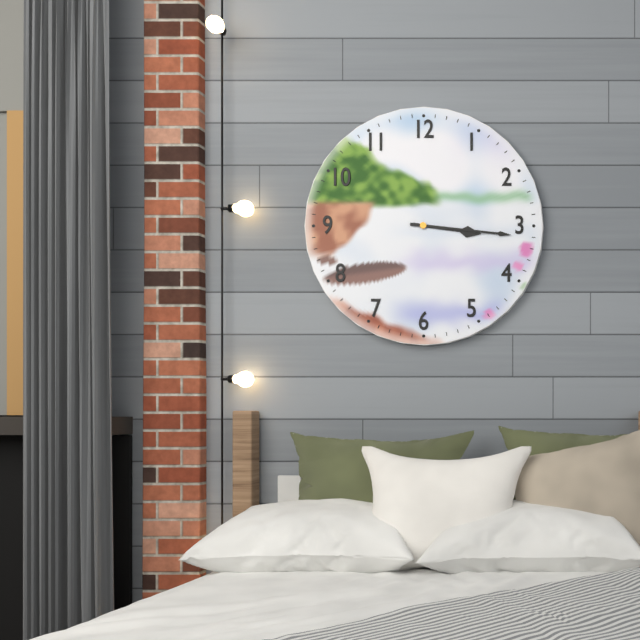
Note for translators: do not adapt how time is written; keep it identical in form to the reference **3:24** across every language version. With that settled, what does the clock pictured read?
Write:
**3:16**
